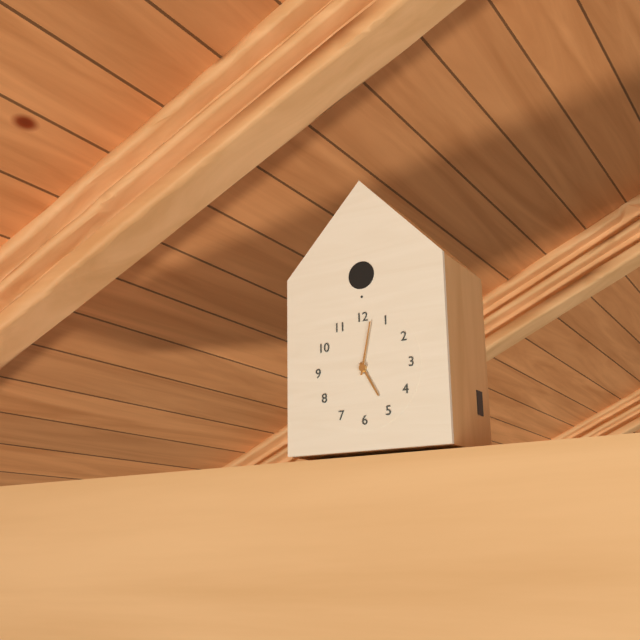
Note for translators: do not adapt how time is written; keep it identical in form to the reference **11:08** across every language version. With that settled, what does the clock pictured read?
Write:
**5:02**
